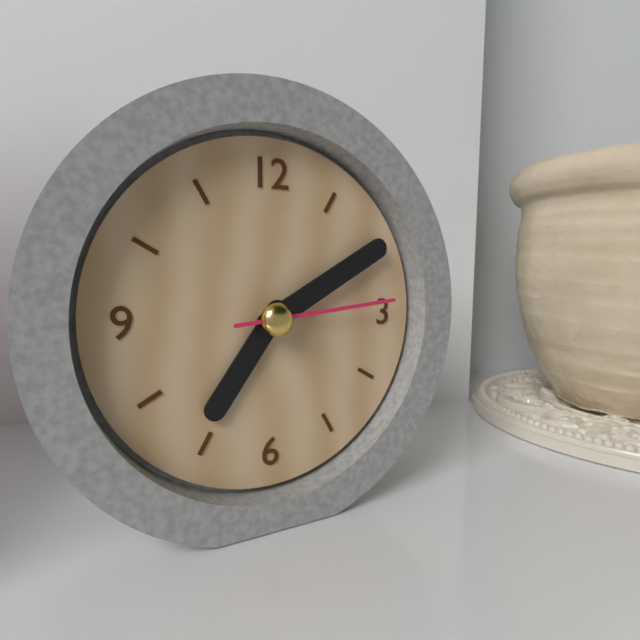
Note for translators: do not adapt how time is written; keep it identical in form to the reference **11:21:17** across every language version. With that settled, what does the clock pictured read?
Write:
**7:10:14**
